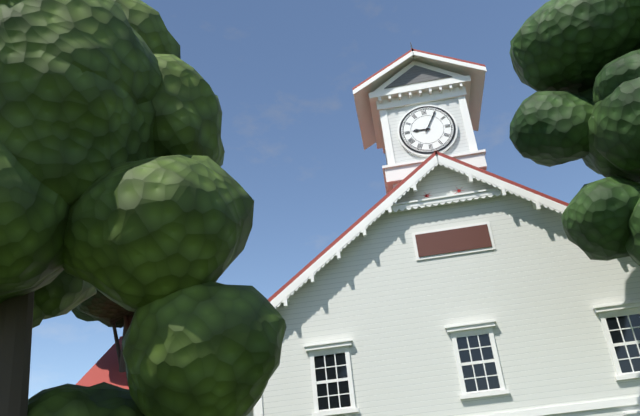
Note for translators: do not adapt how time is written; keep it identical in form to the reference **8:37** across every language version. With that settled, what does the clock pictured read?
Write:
**9:05**
